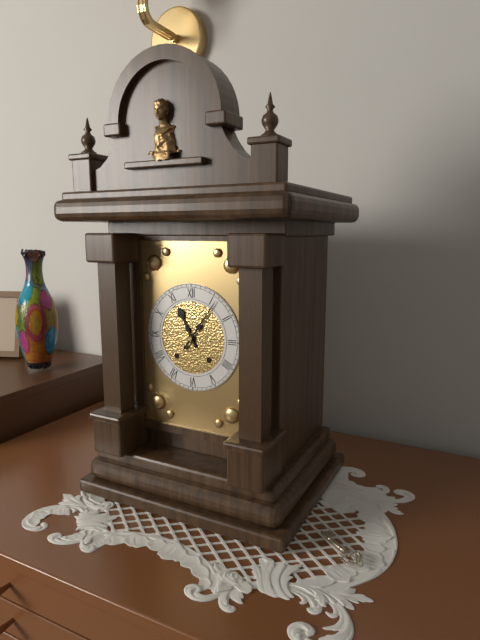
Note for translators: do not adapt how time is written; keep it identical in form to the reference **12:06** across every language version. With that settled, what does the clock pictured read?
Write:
**11:06**
